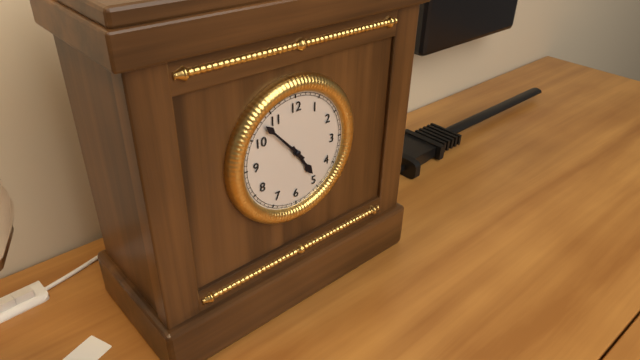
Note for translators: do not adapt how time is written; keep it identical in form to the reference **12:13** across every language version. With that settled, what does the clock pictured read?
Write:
**4:53**
